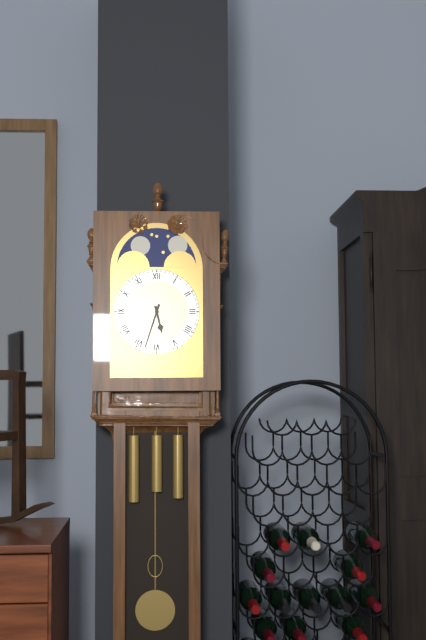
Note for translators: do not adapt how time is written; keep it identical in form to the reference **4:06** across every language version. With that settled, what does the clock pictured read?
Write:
**5:33**
